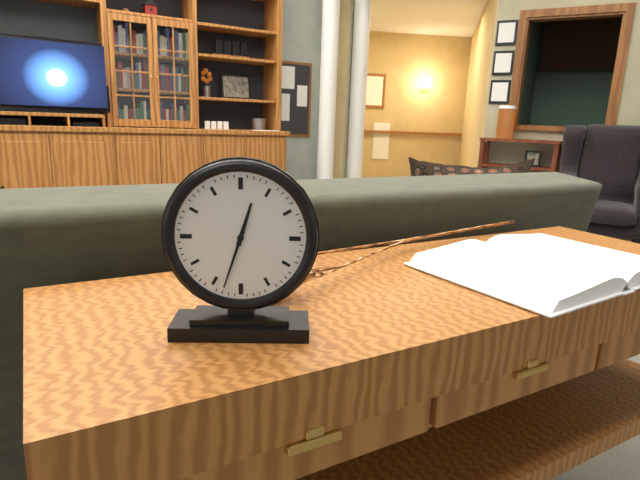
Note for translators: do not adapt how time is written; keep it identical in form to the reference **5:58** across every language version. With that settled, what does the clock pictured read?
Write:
**12:33**
